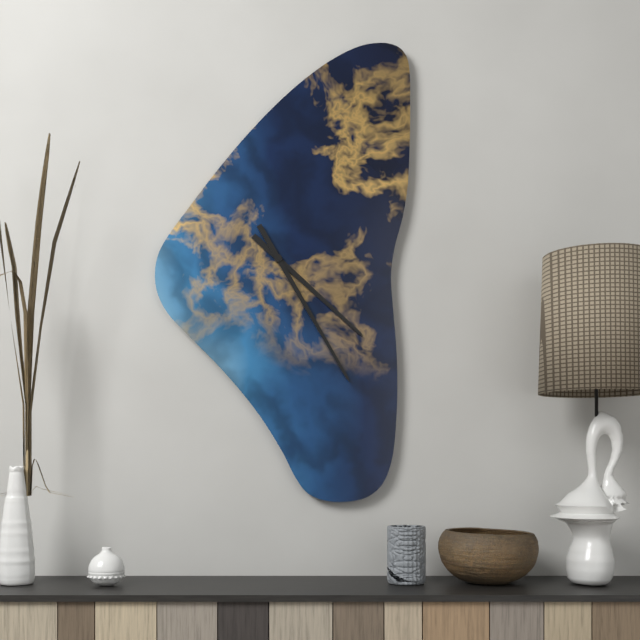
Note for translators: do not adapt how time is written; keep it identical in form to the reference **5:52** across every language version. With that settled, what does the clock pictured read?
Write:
**4:25**
